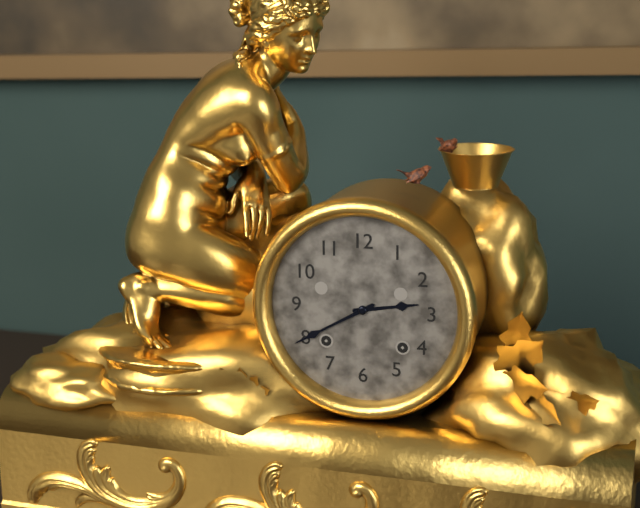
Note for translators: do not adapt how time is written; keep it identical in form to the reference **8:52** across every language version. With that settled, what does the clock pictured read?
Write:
**2:40**
